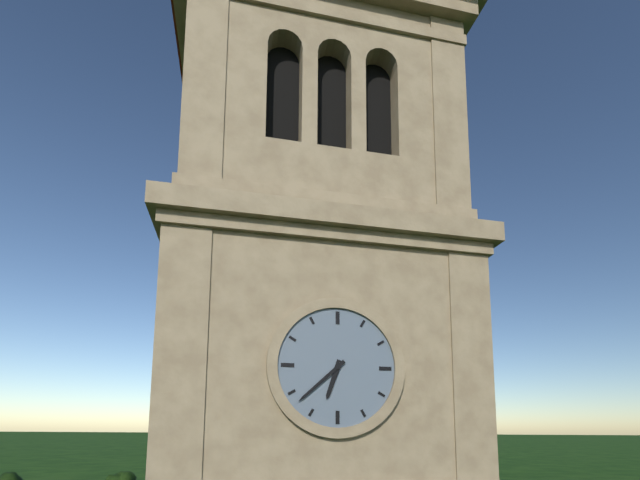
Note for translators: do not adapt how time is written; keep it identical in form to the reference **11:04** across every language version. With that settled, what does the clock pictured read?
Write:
**6:38**
